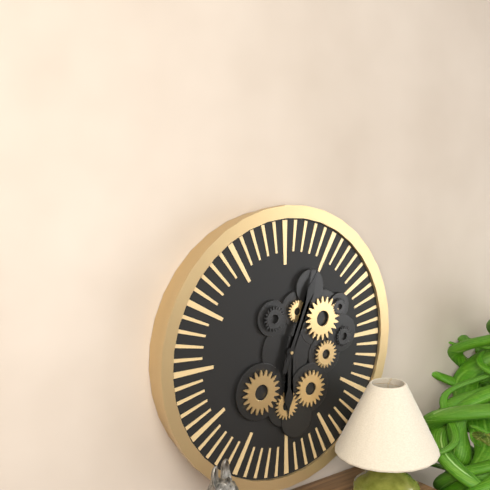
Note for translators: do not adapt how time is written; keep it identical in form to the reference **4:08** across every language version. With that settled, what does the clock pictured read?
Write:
**6:04**
